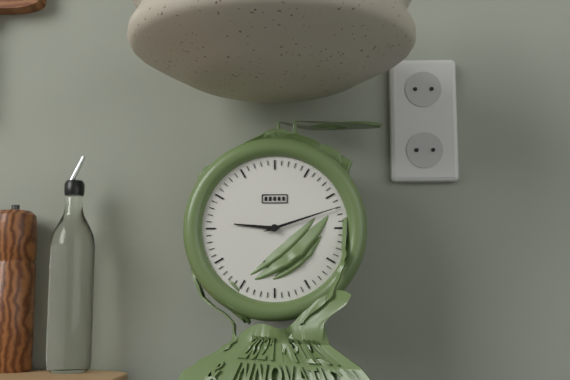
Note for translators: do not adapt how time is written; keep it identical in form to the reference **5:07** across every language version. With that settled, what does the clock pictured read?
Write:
**9:12**
